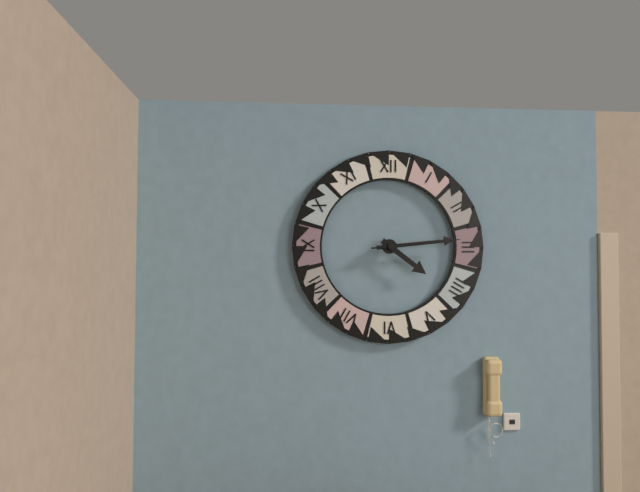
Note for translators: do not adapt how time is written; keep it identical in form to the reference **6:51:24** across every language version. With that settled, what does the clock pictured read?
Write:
**4:14:14**
